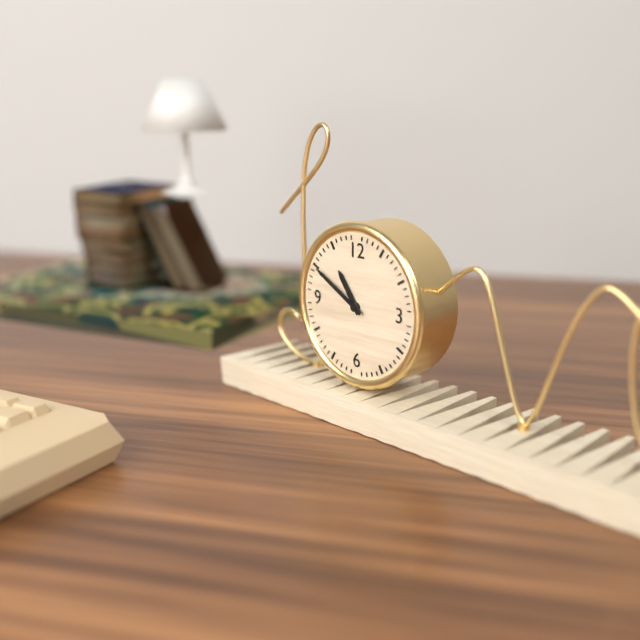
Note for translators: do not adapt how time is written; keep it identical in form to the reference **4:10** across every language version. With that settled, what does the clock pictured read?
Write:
**10:50**
